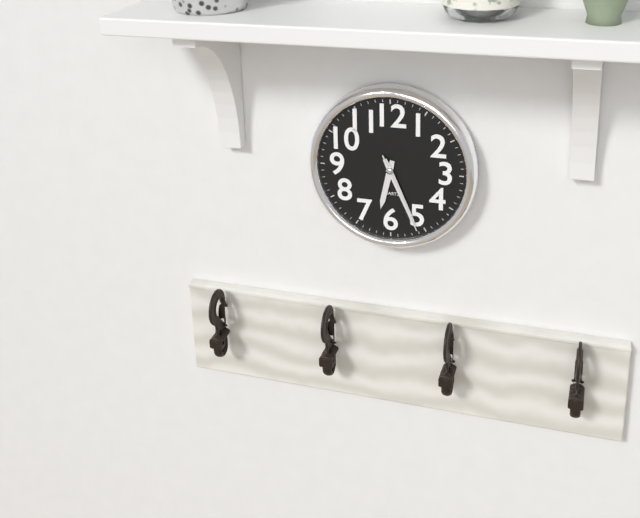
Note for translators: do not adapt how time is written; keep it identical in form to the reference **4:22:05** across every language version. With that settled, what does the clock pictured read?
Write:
**6:26:26**
